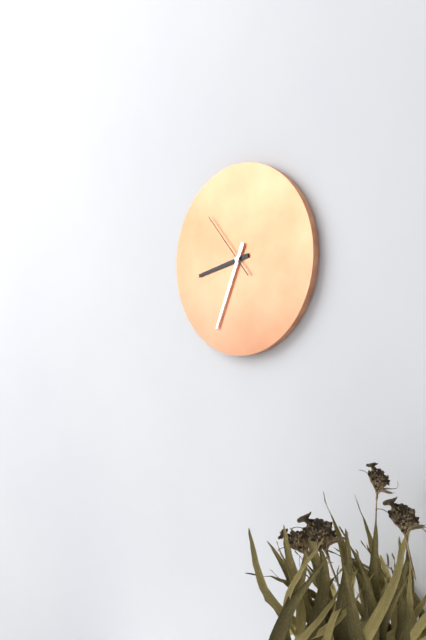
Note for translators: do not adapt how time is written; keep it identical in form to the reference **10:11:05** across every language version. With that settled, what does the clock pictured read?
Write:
**8:34:53**
